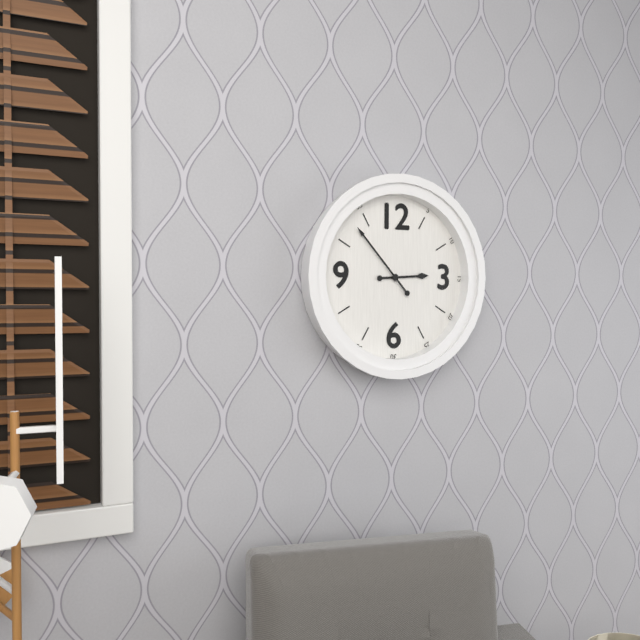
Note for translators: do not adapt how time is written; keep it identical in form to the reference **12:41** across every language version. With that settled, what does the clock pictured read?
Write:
**2:53**
